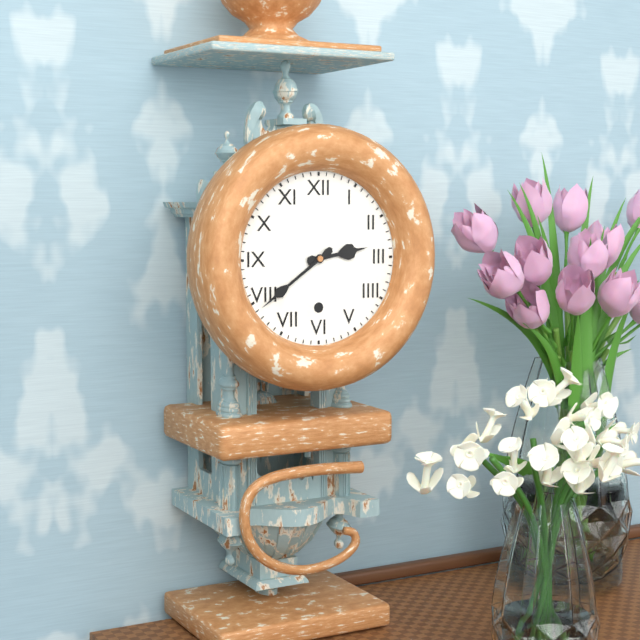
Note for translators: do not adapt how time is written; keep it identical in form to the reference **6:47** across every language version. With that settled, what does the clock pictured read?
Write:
**2:39**
